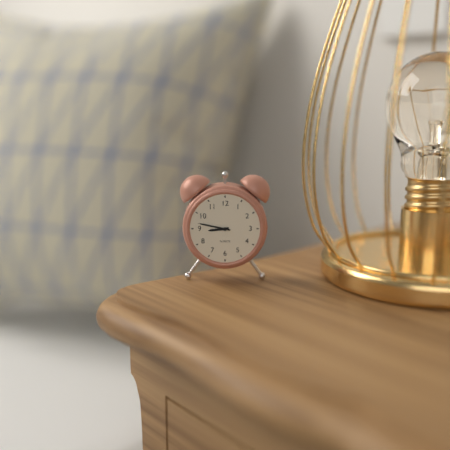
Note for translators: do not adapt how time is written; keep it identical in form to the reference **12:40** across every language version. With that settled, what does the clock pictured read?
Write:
**8:47**
